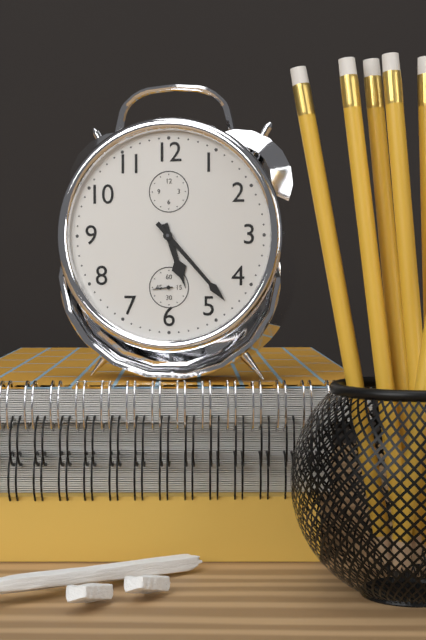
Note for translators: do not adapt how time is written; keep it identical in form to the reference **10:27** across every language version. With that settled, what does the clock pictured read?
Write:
**5:23**
